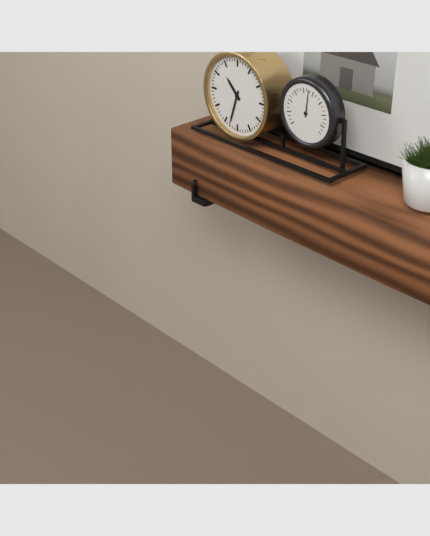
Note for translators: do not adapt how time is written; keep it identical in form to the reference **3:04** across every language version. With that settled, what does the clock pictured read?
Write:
**10:33**
